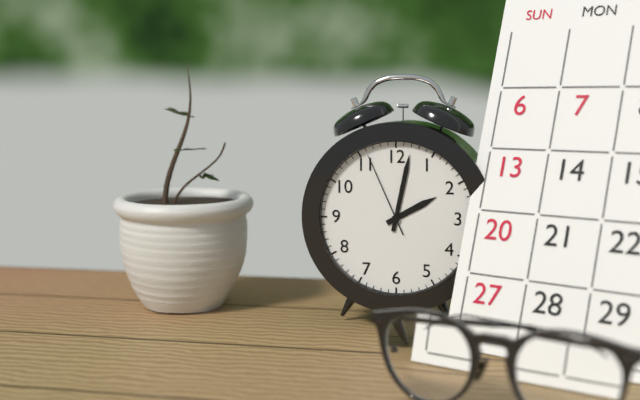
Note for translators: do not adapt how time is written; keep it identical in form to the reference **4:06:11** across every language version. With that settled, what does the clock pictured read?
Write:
**2:02:56**
